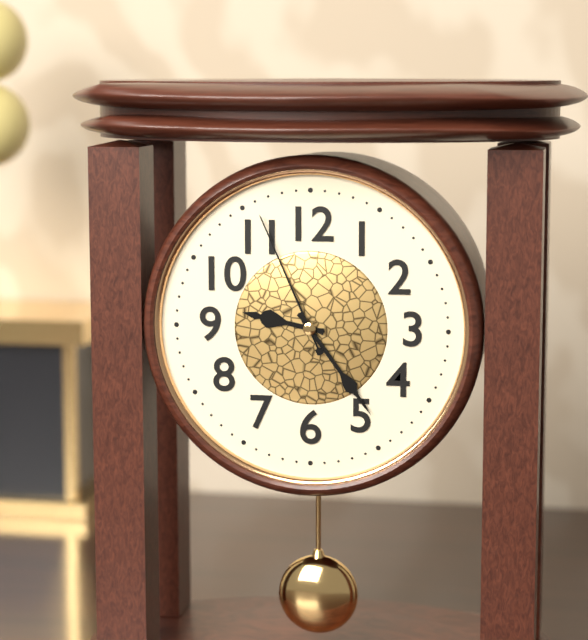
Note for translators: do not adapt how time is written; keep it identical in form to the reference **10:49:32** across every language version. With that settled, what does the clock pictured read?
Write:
**9:24:56**
